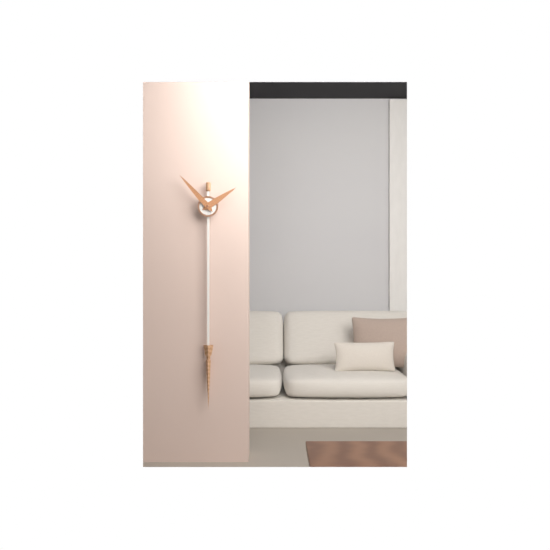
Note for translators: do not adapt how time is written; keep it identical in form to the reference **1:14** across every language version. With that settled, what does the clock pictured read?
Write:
**1:53**
